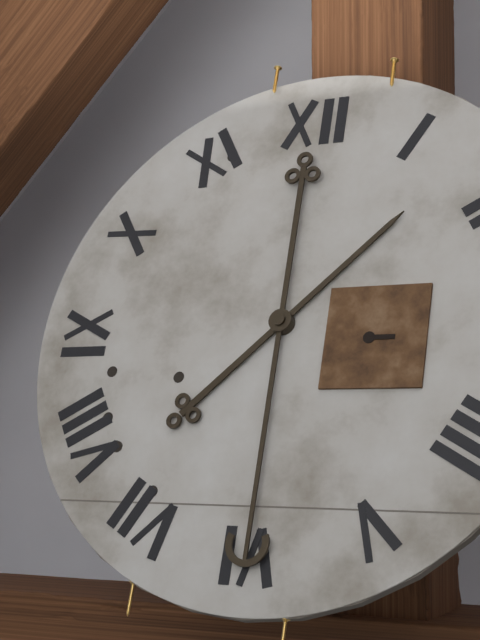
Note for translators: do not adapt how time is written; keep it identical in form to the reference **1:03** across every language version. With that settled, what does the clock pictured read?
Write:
**1:30**
